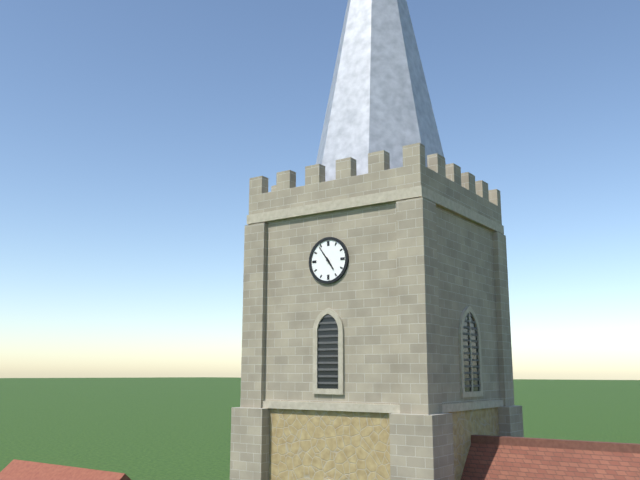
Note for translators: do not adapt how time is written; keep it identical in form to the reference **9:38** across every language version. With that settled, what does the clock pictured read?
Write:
**4:54**
